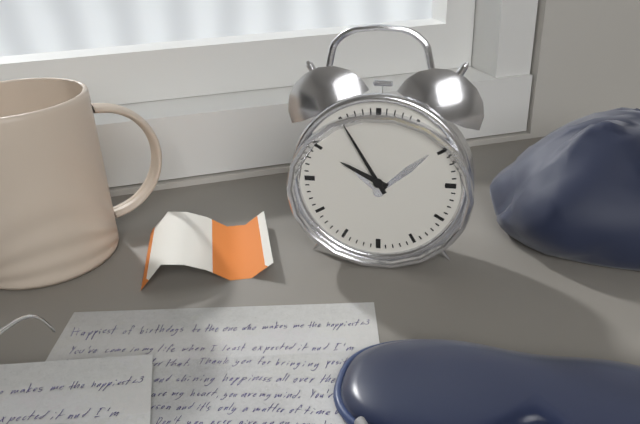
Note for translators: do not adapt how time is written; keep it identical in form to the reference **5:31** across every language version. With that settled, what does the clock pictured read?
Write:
**9:55**
